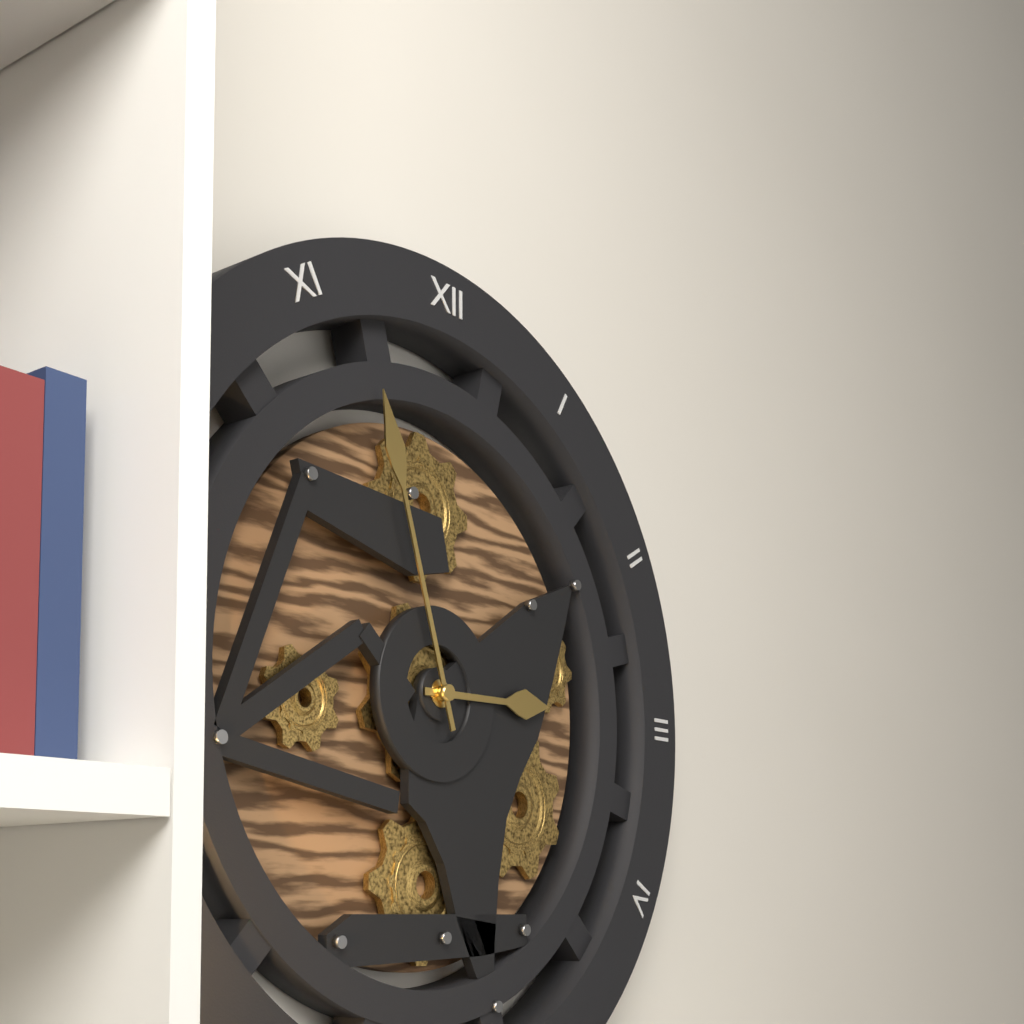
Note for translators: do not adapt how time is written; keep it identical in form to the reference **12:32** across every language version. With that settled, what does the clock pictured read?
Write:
**2:57**
